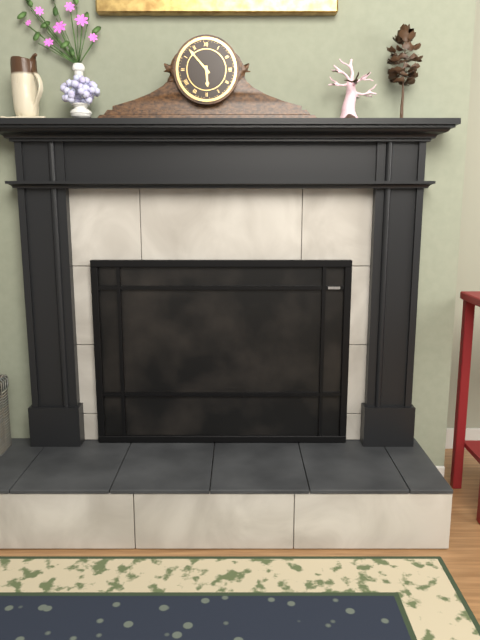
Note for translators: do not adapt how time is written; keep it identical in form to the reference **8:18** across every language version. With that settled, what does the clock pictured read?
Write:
**5:53**
